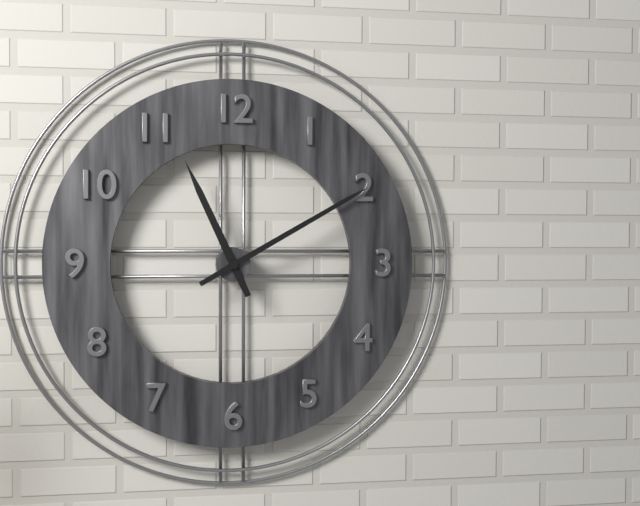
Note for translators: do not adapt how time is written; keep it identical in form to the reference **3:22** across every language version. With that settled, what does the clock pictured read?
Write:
**11:10**
